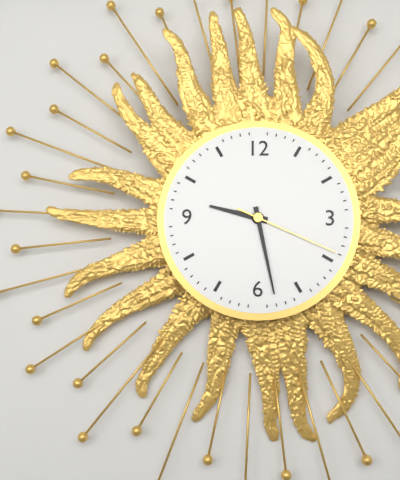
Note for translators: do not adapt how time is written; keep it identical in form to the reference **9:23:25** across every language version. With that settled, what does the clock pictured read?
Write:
**9:28:19**
